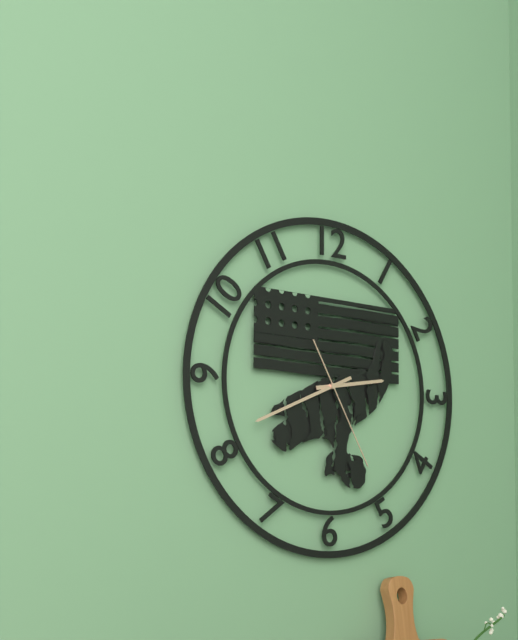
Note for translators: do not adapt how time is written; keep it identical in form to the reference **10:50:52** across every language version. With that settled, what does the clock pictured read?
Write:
**2:41:25**
